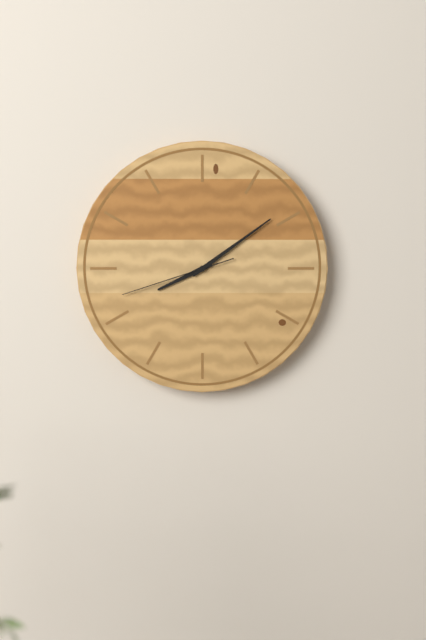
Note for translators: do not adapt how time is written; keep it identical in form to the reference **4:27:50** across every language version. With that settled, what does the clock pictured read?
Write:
**8:09:42**
